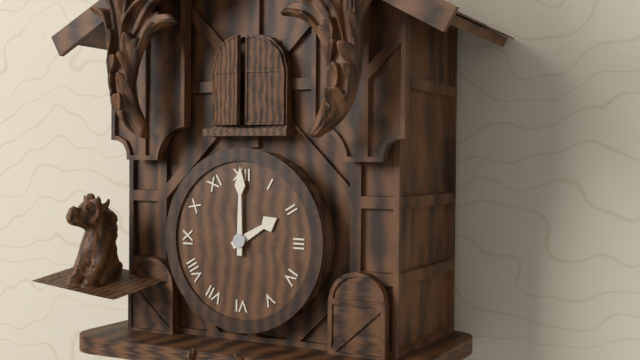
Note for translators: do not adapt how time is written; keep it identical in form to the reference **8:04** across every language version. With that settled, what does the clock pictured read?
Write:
**2:00**
